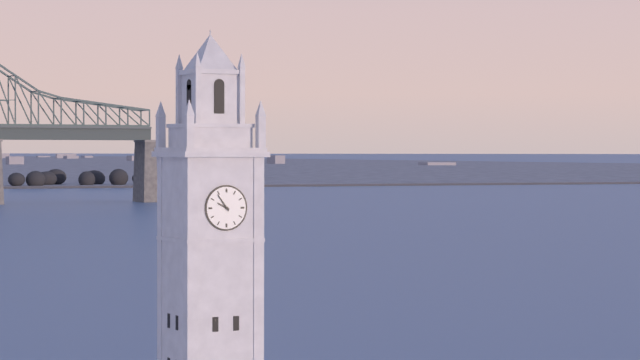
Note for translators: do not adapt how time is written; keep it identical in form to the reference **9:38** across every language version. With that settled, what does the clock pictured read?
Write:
**9:54**
